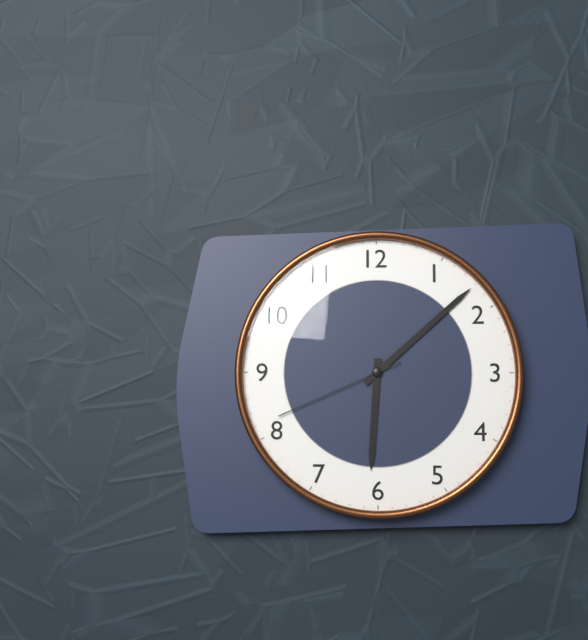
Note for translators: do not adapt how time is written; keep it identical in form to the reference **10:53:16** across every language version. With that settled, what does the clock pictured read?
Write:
**6:08:41**
